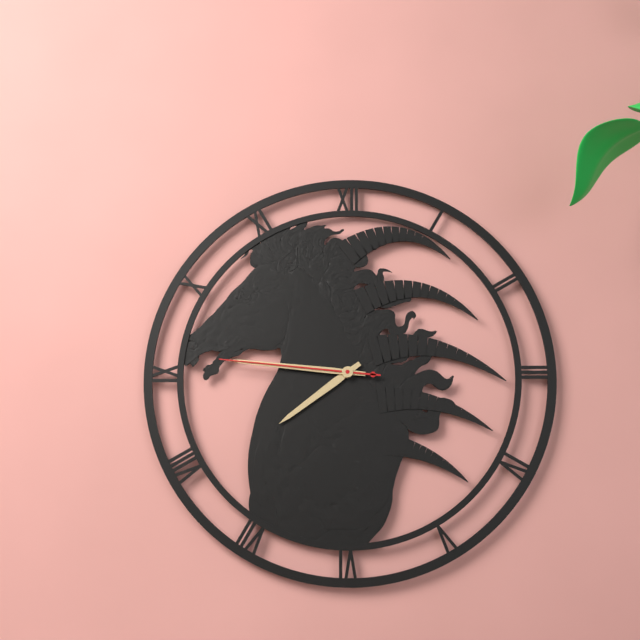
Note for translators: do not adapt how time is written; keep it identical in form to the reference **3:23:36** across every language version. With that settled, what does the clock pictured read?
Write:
**7:46:46**
